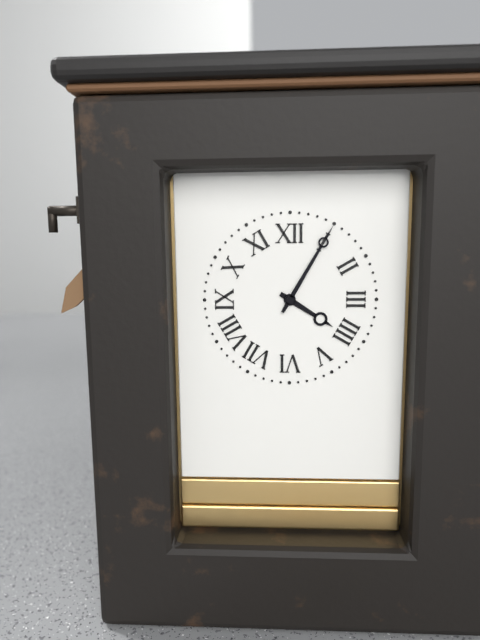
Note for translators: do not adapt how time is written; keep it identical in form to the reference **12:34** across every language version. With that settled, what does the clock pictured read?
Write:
**4:05**
